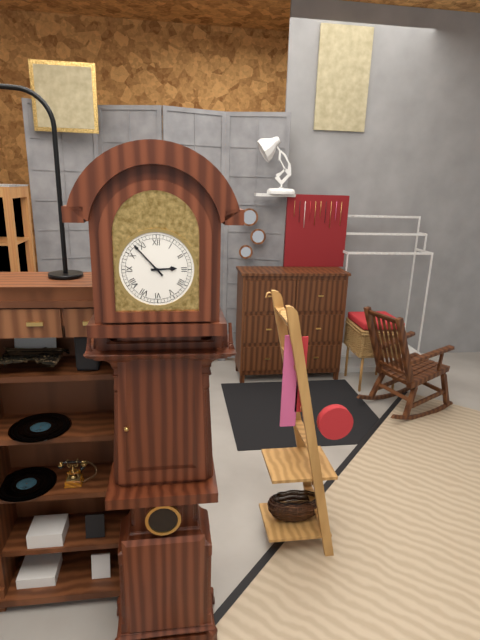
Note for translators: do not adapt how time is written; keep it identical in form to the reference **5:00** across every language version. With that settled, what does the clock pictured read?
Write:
**2:53**
